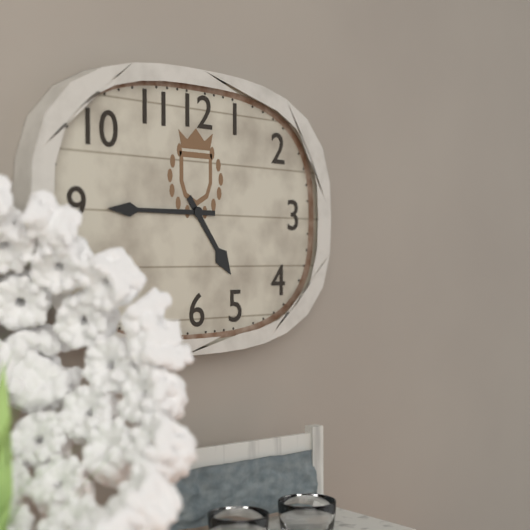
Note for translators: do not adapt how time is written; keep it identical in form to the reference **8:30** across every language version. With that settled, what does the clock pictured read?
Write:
**4:45**
